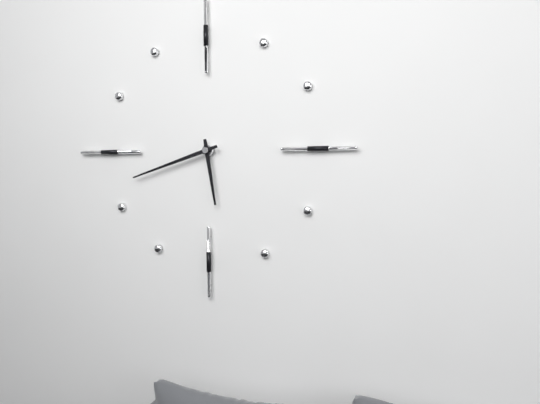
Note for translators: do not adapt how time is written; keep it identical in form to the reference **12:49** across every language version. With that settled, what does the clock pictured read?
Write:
**5:42**
